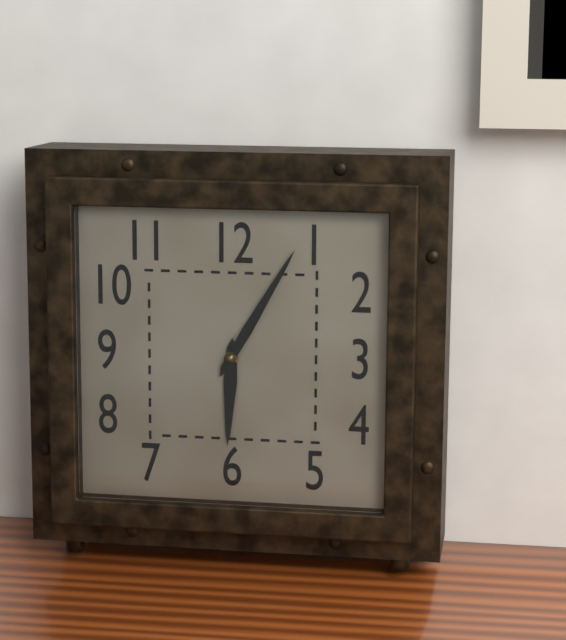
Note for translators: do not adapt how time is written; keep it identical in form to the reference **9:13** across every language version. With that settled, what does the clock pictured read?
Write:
**6:05**
